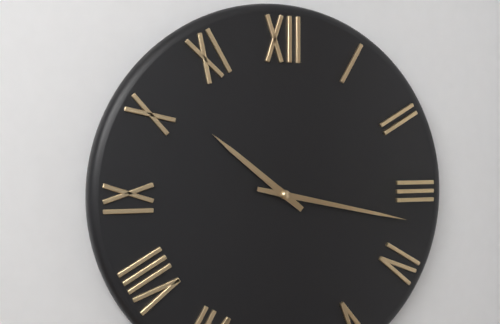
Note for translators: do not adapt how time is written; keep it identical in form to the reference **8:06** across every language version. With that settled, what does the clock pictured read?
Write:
**10:17**
